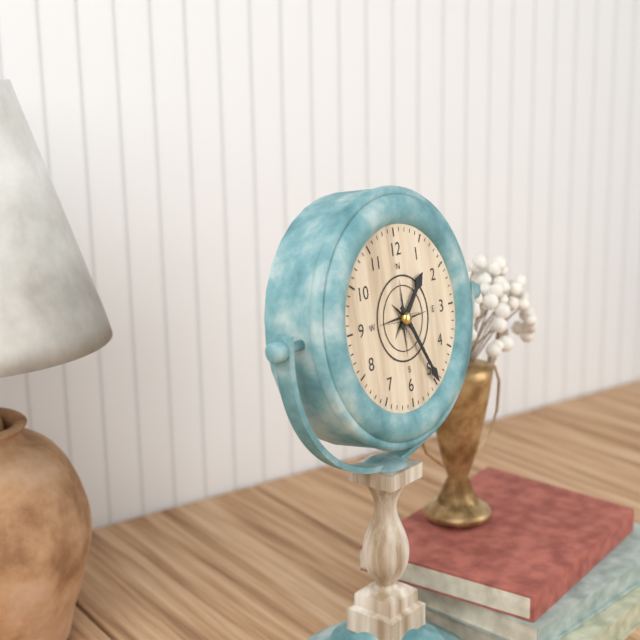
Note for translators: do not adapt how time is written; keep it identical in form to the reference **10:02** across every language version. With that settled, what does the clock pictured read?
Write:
**1:25**
